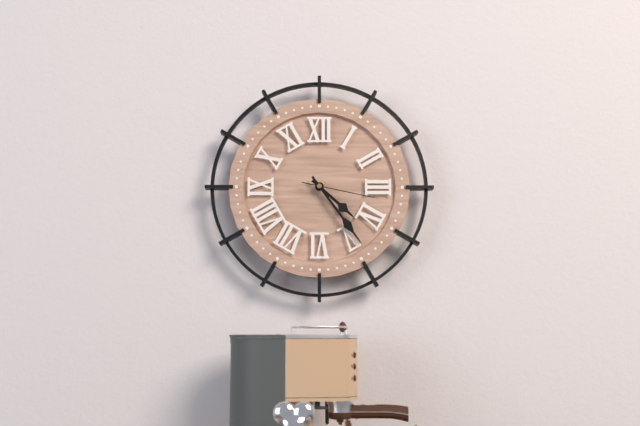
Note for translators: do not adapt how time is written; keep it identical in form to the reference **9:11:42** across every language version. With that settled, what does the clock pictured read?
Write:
**4:24:17**
